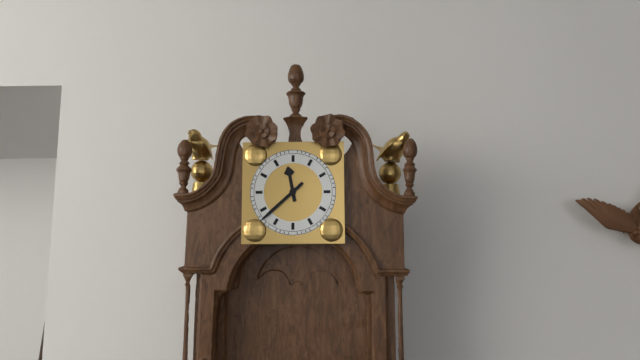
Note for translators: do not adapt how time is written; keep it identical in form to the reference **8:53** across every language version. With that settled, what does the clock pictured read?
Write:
**11:38**
